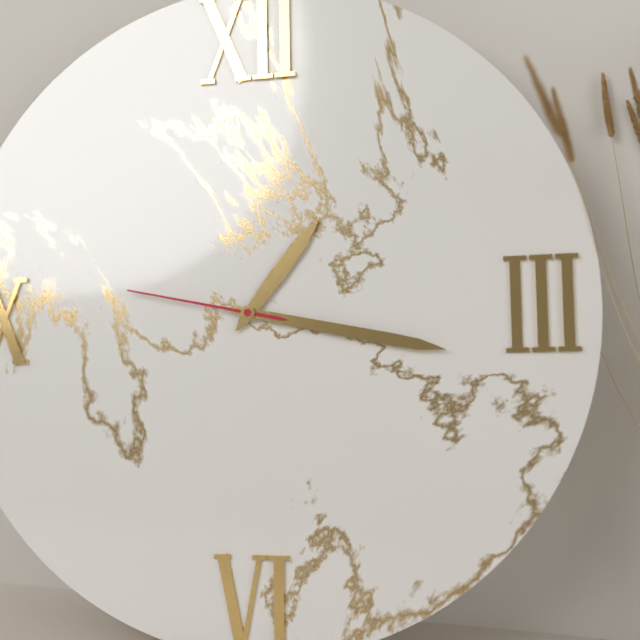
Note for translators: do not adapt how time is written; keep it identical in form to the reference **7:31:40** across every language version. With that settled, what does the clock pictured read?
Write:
**1:17:47**
